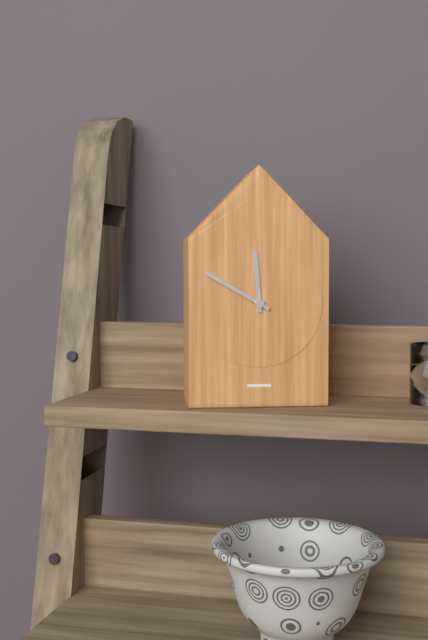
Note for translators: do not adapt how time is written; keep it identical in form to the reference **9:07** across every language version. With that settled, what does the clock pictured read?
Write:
**11:50**
